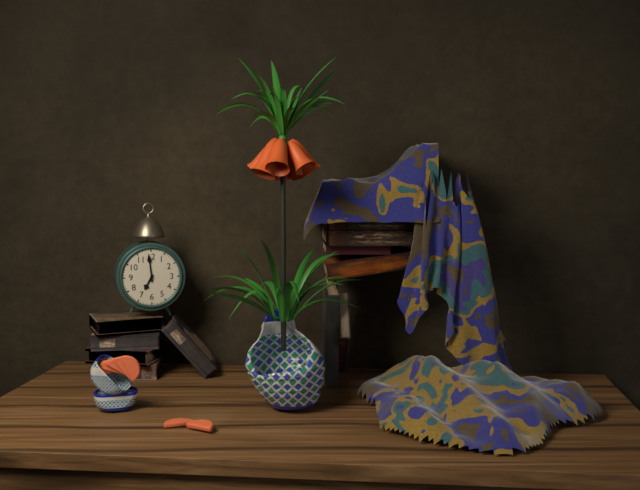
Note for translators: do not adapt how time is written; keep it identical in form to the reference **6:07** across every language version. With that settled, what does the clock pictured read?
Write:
**6:59**
